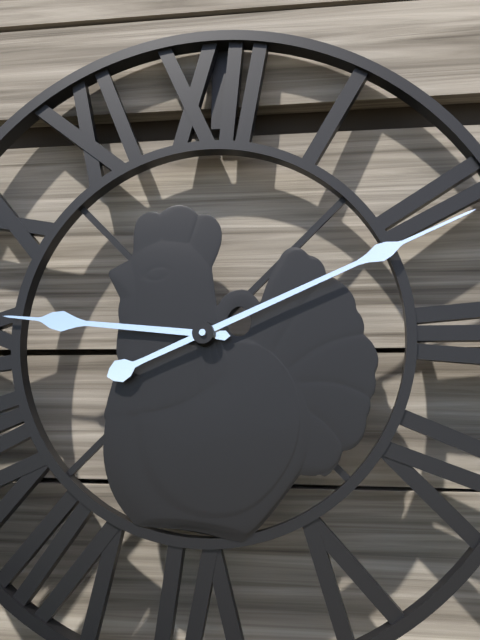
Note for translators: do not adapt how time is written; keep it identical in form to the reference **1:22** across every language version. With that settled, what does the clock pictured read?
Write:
**9:11**
